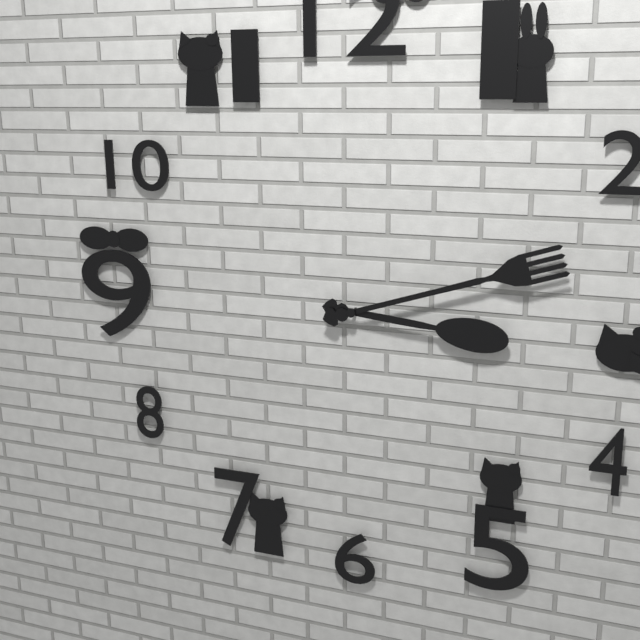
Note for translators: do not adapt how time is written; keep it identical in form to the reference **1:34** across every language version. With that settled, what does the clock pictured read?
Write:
**3:12**
